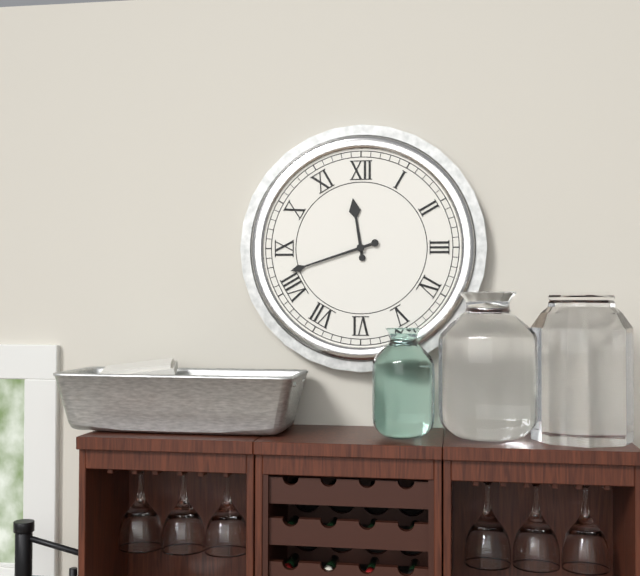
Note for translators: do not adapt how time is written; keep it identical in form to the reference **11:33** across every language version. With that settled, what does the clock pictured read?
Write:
**11:42**
